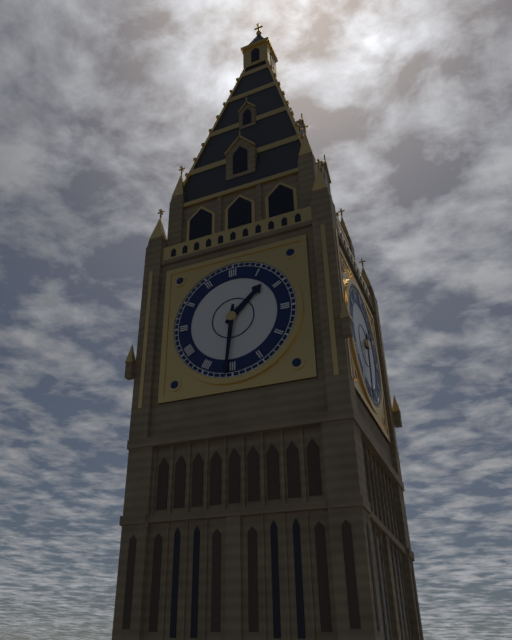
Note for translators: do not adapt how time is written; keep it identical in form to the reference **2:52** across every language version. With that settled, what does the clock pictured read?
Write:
**1:31**
